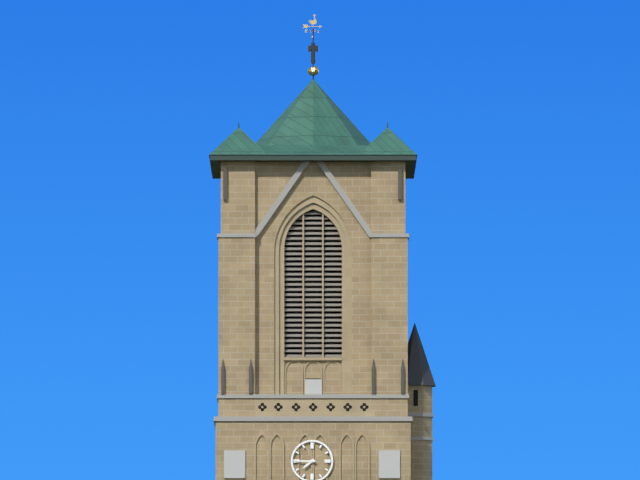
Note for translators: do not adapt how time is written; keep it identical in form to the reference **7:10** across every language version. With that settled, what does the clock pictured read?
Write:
**7:45**
